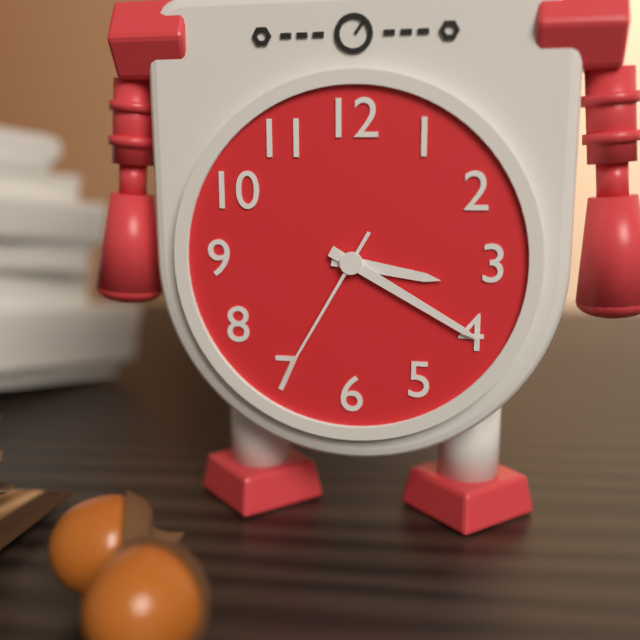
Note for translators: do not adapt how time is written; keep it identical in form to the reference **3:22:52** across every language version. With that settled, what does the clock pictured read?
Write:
**3:20:35**
